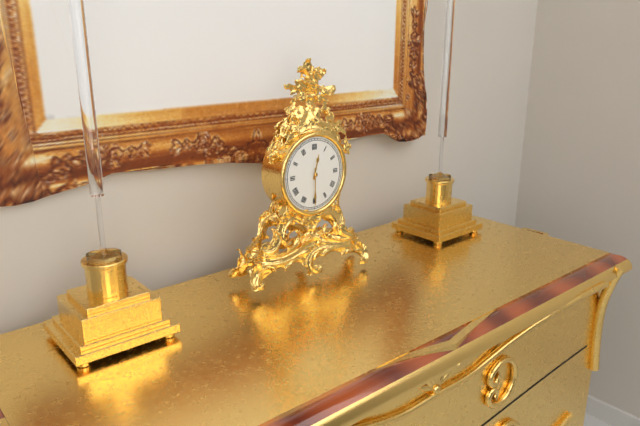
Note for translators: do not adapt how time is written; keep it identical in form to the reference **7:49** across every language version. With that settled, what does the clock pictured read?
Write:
**12:30**
